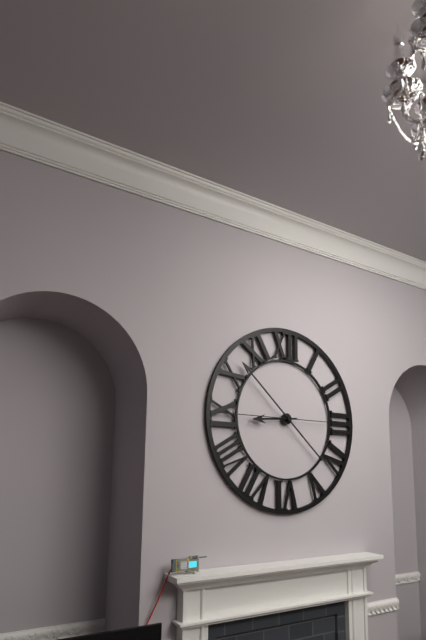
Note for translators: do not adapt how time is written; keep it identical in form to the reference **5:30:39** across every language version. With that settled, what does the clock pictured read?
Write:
**8:52:45**
